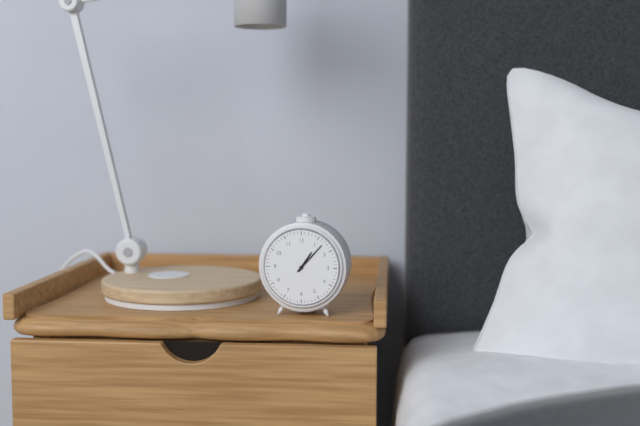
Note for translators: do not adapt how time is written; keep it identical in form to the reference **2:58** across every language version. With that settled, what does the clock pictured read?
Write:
**1:07**
